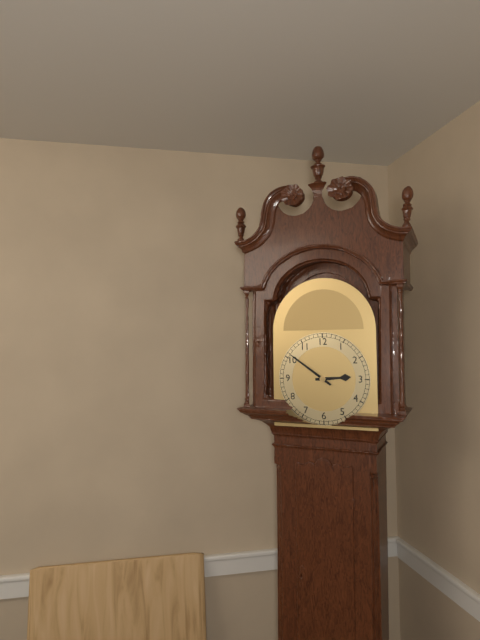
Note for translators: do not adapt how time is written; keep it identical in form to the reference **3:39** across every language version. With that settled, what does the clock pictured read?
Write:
**2:51**
